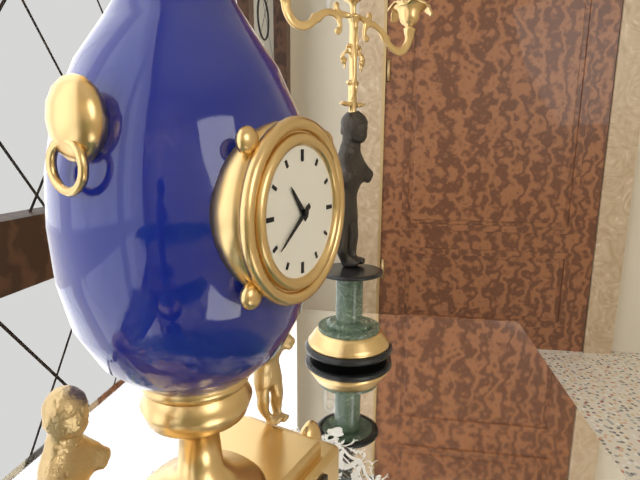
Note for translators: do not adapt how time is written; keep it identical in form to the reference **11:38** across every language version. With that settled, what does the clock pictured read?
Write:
**10:39**
